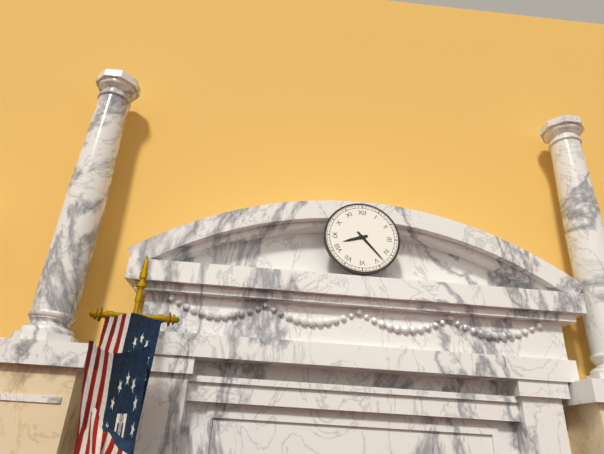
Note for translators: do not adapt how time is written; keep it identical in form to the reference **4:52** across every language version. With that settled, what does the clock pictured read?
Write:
**8:23**
